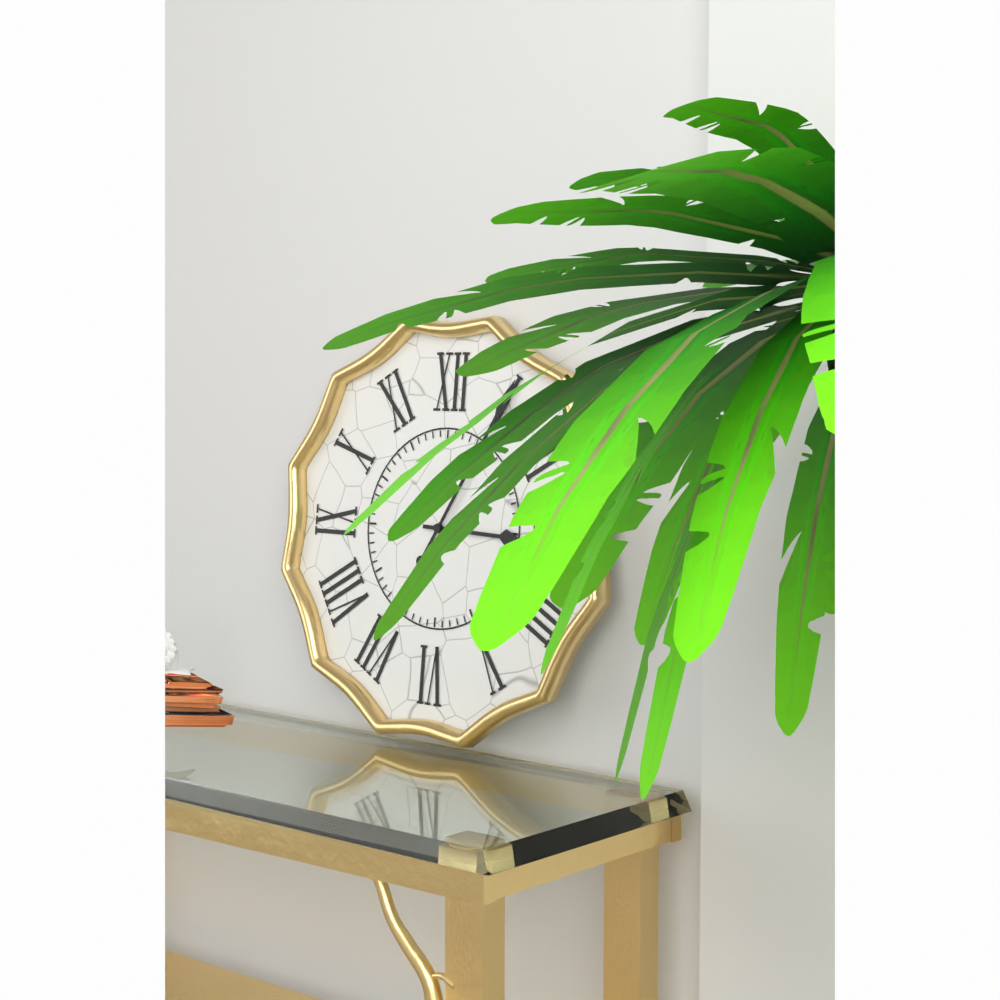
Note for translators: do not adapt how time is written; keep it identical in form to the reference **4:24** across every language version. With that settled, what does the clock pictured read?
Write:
**3:05**
